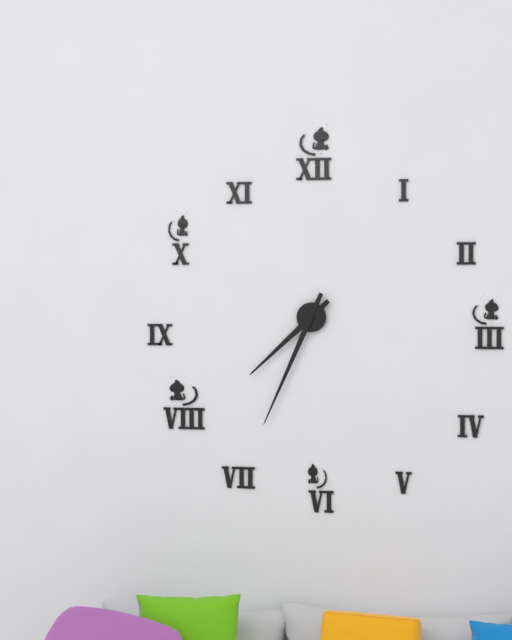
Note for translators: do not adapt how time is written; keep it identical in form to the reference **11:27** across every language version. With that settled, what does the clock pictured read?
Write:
**7:34**
